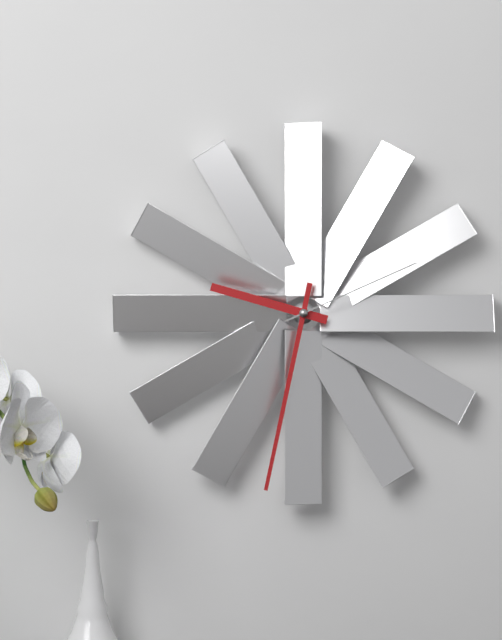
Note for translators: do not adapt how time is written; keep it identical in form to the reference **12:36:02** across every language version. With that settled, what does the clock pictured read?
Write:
**9:32:11**
